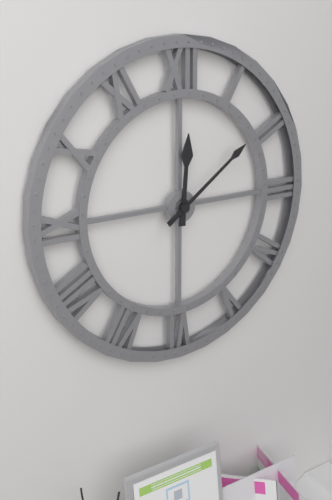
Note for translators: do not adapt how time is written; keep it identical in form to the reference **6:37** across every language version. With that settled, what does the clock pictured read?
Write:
**12:09**
